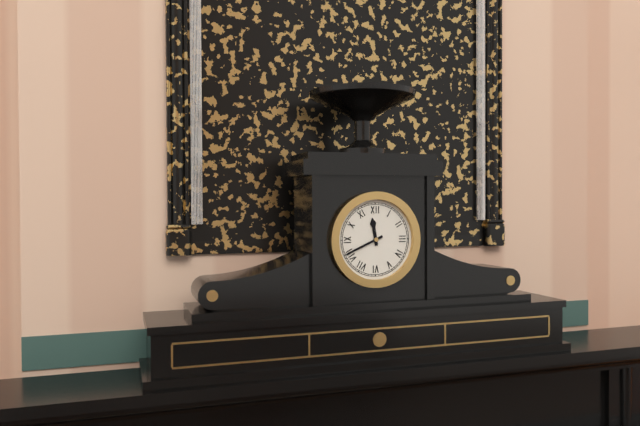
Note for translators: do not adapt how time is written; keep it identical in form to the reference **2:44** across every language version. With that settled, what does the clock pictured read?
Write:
**11:41**
